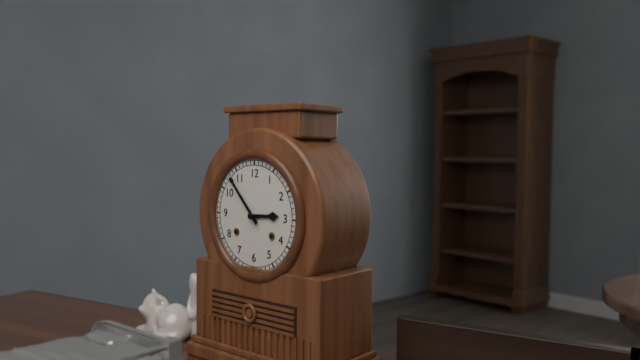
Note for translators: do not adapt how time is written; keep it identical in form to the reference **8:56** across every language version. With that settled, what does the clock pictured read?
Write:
**2:53**
